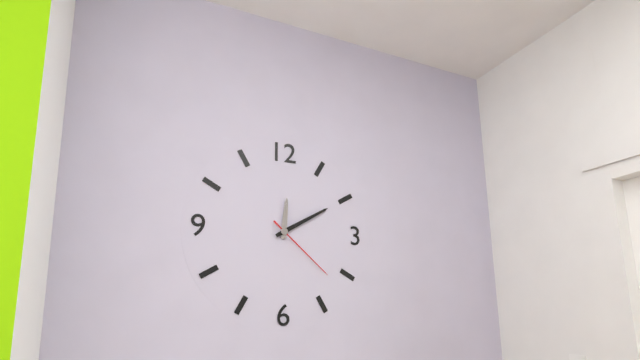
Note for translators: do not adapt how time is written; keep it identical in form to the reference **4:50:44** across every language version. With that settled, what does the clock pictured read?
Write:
**12:10:22**
